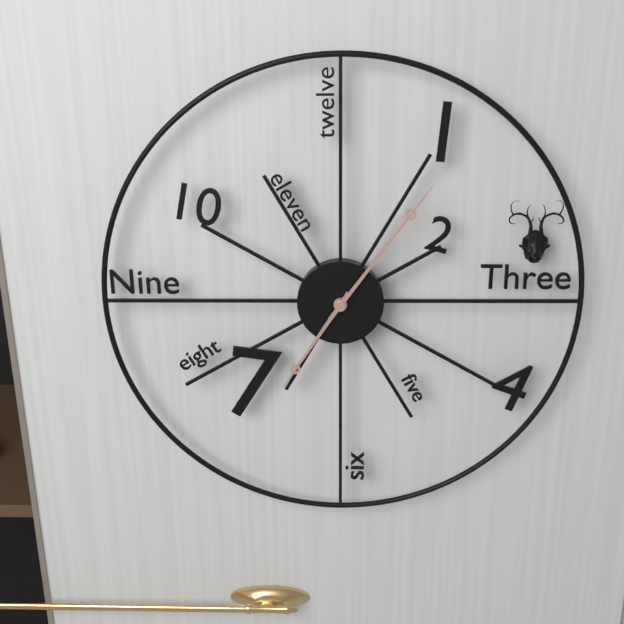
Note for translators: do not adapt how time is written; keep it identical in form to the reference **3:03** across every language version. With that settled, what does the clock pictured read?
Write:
**7:06**
